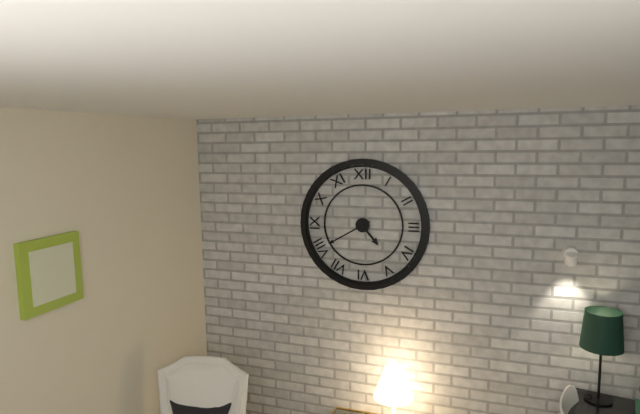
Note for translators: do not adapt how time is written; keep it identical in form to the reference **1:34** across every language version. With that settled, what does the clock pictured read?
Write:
**4:40**
